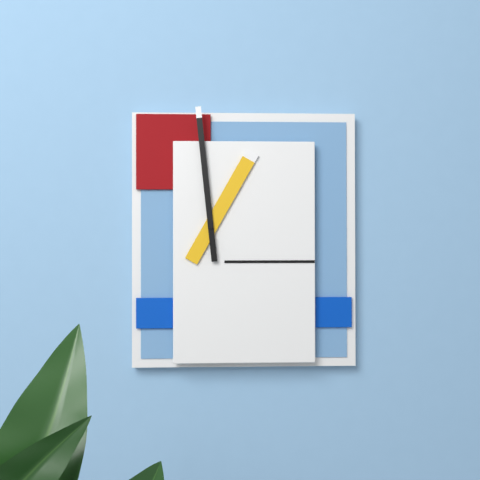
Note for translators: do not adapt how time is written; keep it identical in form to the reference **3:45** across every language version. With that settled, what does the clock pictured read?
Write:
**12:59**
